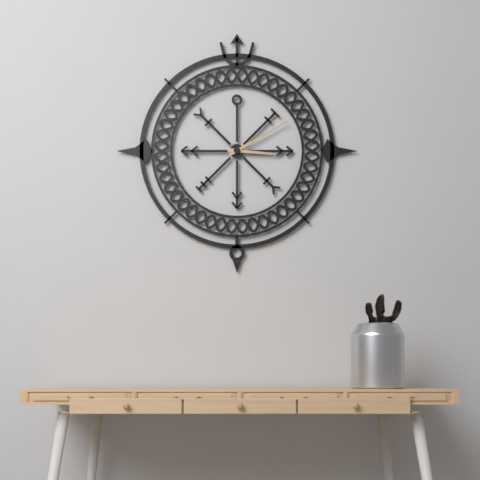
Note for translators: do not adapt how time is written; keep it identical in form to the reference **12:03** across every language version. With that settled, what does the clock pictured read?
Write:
**3:10**
